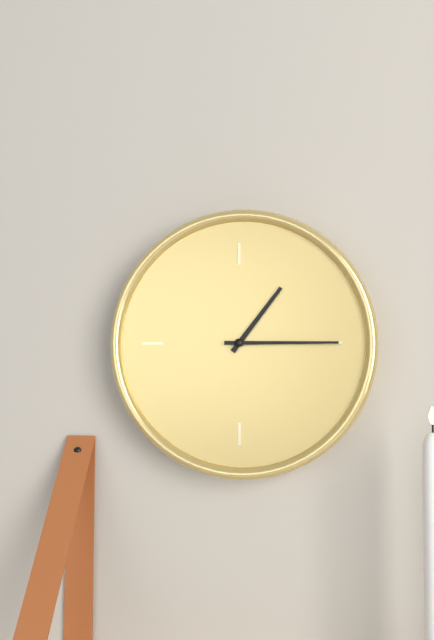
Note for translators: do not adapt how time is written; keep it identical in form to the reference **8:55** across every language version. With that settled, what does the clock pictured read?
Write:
**1:15**
